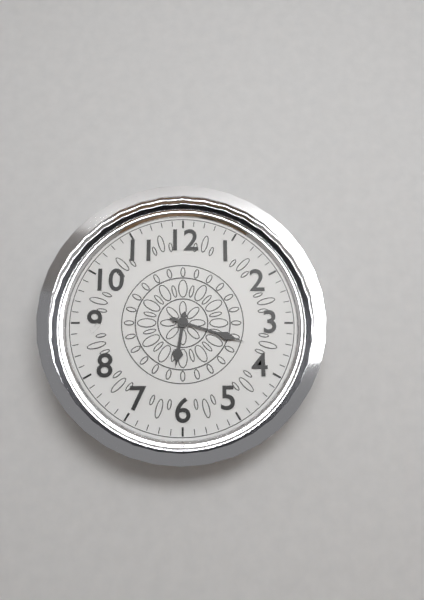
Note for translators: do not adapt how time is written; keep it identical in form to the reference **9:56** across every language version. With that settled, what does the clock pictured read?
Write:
**6:18**
